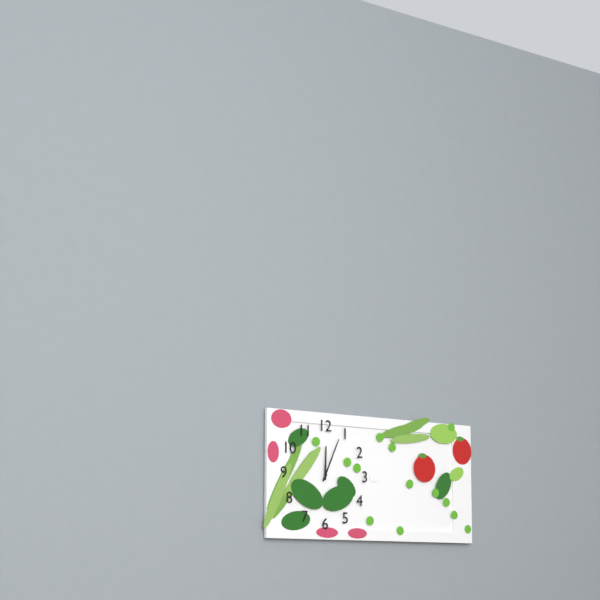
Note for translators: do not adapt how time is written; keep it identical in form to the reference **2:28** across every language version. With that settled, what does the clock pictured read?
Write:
**12:04**
